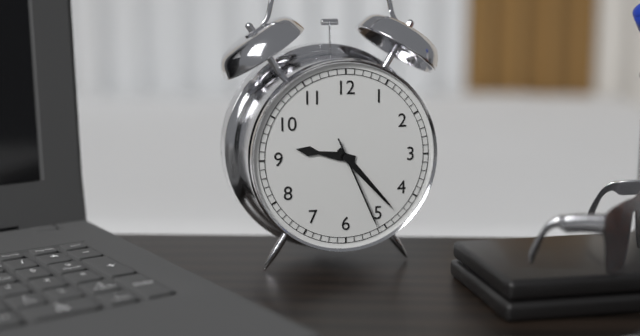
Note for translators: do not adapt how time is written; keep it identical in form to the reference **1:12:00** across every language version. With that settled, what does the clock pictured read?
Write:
**9:23:26**
